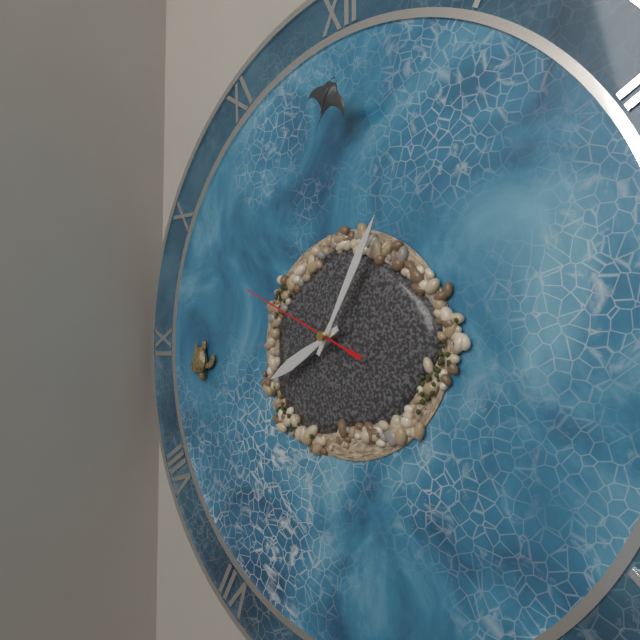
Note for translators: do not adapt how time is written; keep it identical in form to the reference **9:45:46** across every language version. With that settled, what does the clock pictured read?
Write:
**8:05:49**
